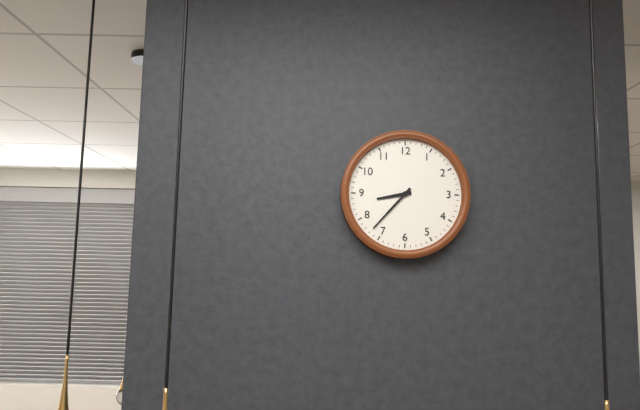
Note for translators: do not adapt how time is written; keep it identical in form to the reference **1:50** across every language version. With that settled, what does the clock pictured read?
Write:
**8:37**
